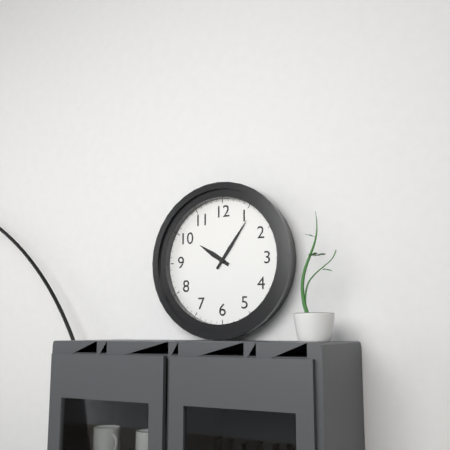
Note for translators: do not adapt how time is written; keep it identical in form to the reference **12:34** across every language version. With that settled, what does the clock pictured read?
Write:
**10:06**
